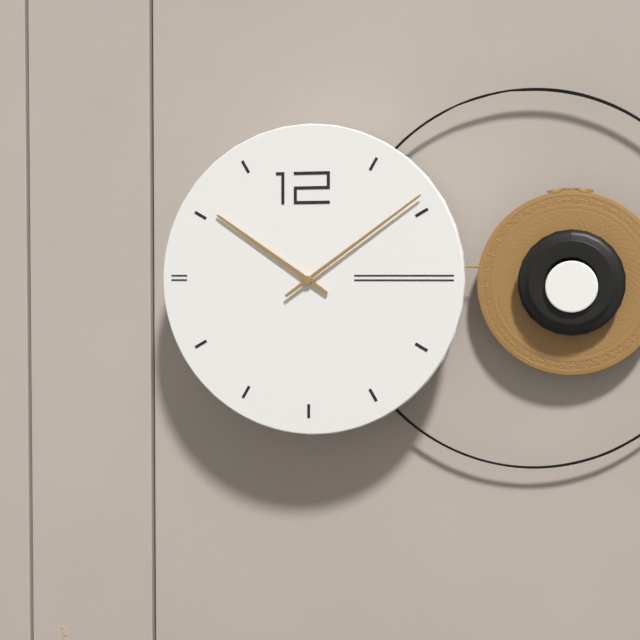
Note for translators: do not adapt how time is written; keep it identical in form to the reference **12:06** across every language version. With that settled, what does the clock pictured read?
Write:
**10:09**
